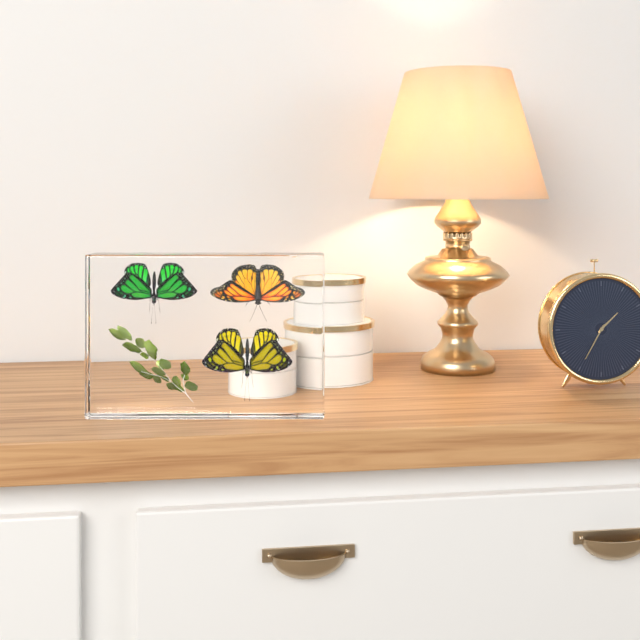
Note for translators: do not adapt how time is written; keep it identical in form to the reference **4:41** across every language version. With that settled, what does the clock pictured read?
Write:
**1:35**
